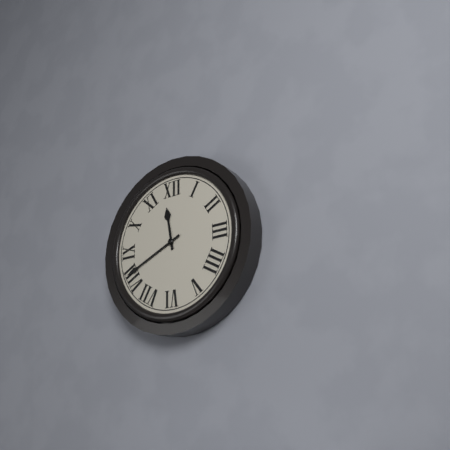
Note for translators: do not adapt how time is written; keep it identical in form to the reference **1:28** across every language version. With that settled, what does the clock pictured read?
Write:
**11:41**
